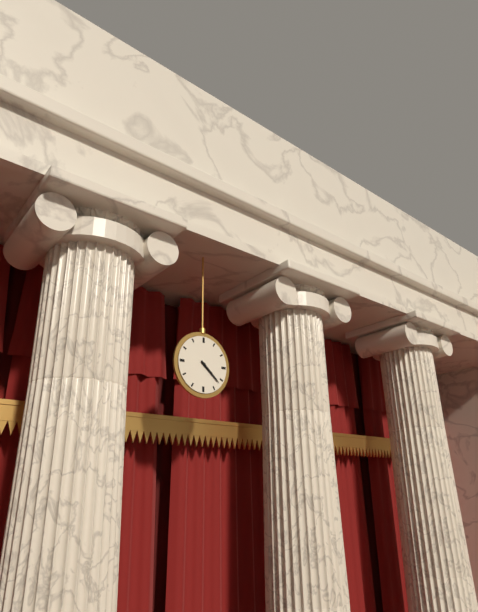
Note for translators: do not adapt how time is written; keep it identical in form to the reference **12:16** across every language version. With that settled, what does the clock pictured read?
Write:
**4:22**
